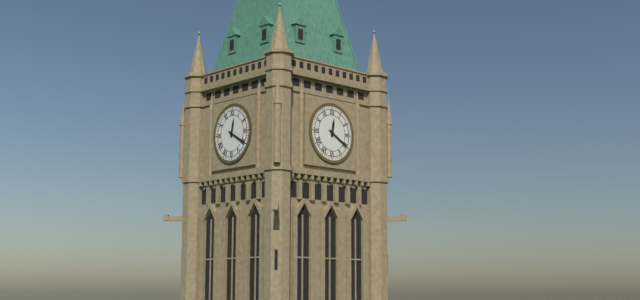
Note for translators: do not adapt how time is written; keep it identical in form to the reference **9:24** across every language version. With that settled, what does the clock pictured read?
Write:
**12:20**
